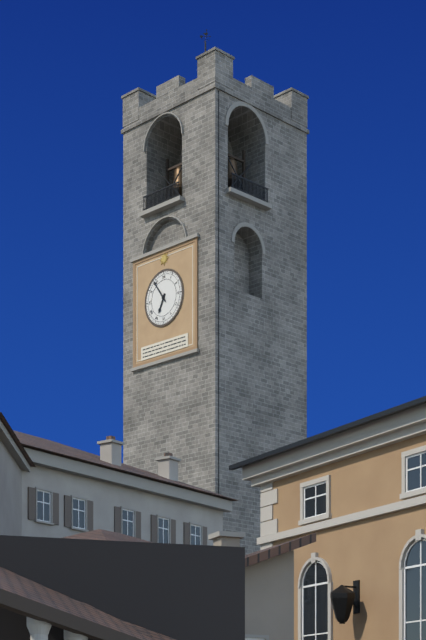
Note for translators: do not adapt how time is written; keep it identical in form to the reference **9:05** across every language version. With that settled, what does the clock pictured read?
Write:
**6:54**
